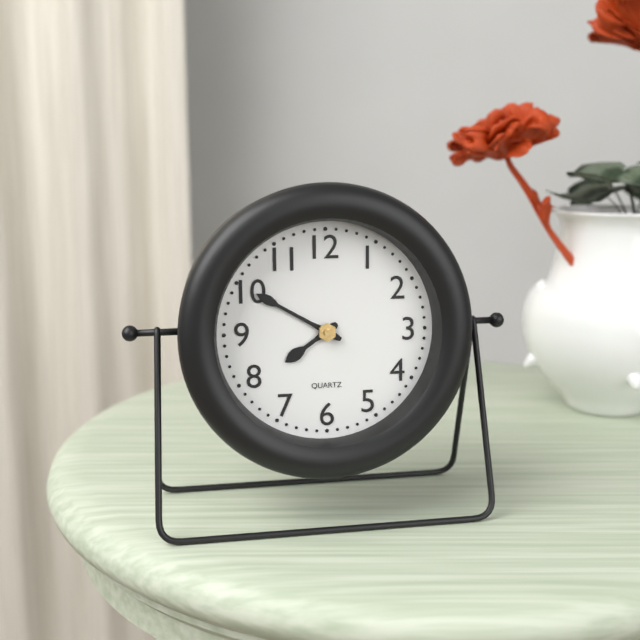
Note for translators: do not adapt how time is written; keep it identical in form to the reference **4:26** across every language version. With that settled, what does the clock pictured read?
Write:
**7:50**
